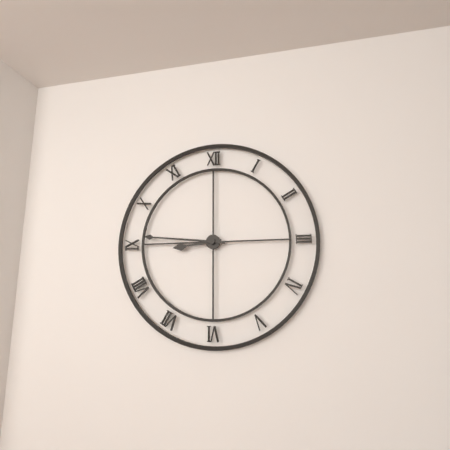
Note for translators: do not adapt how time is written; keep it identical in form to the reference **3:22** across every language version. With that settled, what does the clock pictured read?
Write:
**8:46**
